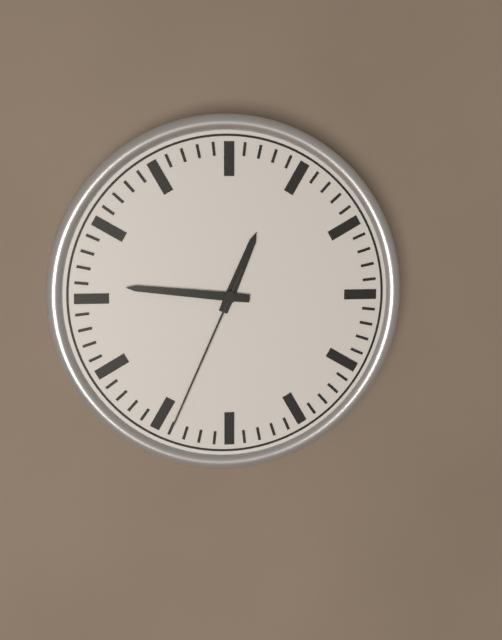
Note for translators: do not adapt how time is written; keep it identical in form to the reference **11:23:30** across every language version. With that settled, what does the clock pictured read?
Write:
**12:46:34**
